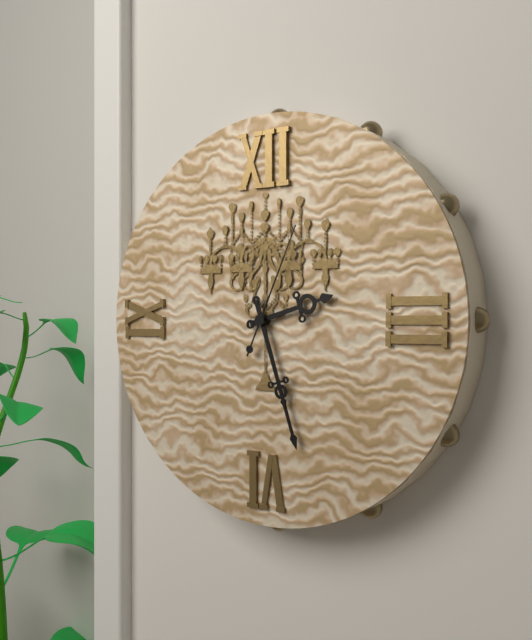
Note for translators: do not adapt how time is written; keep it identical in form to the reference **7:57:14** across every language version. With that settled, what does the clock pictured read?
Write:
**2:27:04**
